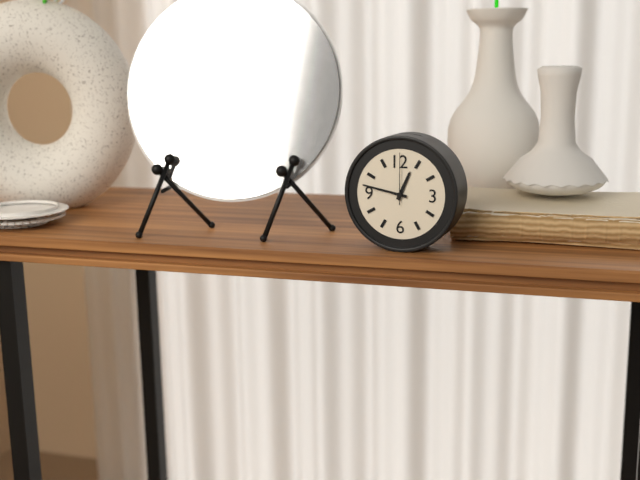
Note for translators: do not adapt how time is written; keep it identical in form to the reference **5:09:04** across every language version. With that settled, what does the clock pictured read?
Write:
**12:47:00**
